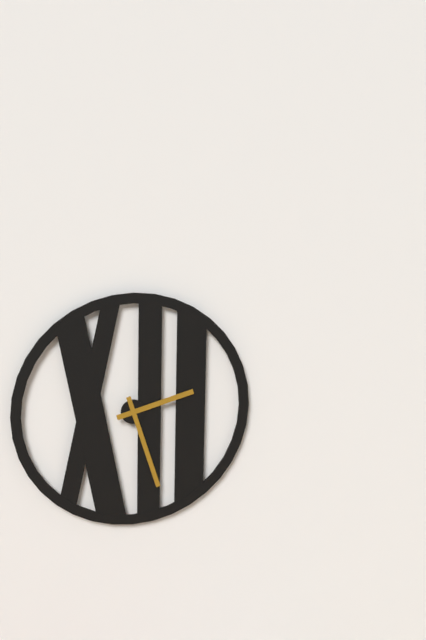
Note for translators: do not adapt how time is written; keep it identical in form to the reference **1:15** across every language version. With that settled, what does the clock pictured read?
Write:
**2:27**
